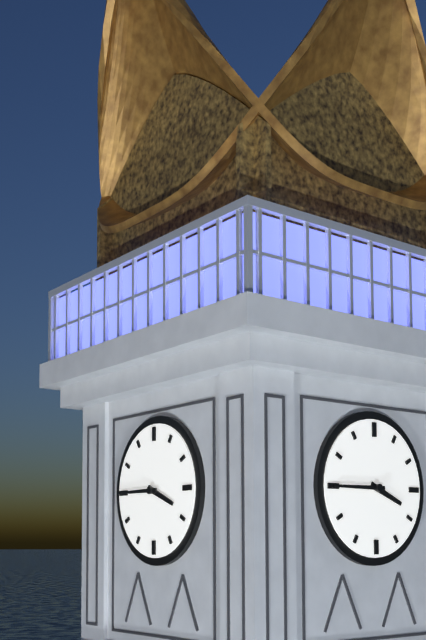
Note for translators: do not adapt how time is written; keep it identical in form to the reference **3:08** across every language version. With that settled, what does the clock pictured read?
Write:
**3:45**
